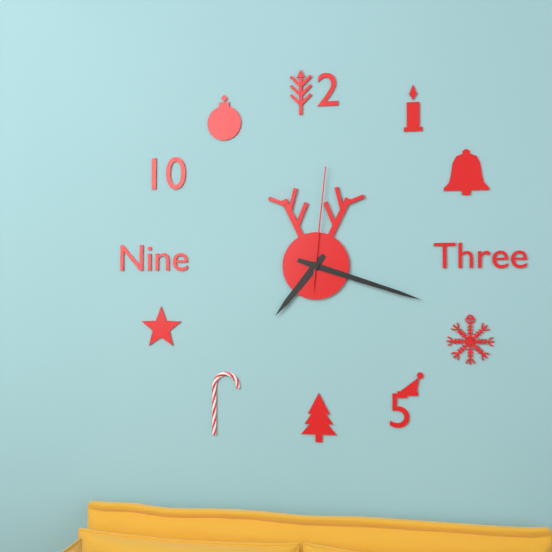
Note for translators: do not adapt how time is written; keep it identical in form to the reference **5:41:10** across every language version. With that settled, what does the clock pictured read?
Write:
**7:18:01**
